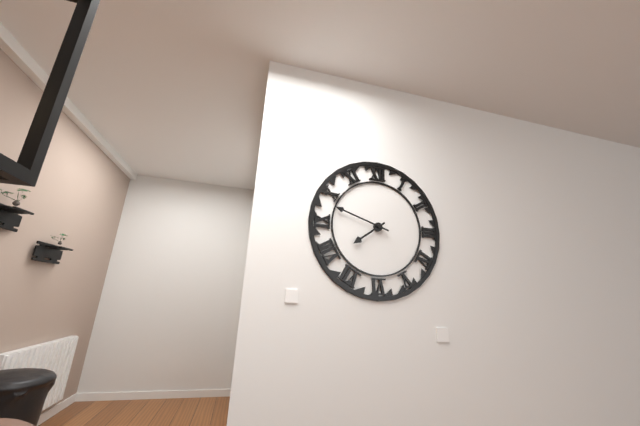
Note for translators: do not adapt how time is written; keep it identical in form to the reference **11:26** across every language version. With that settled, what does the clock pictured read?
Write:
**7:48**
